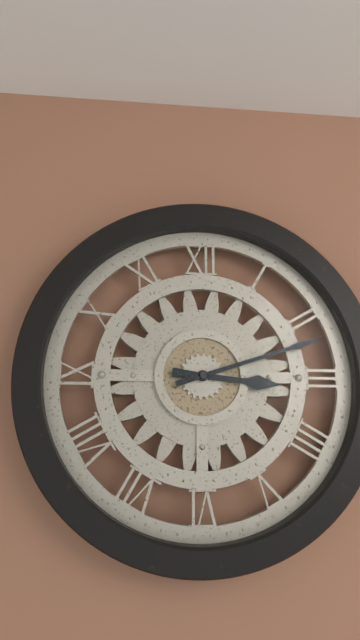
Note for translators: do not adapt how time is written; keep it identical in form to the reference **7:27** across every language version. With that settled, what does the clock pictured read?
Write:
**3:12**
